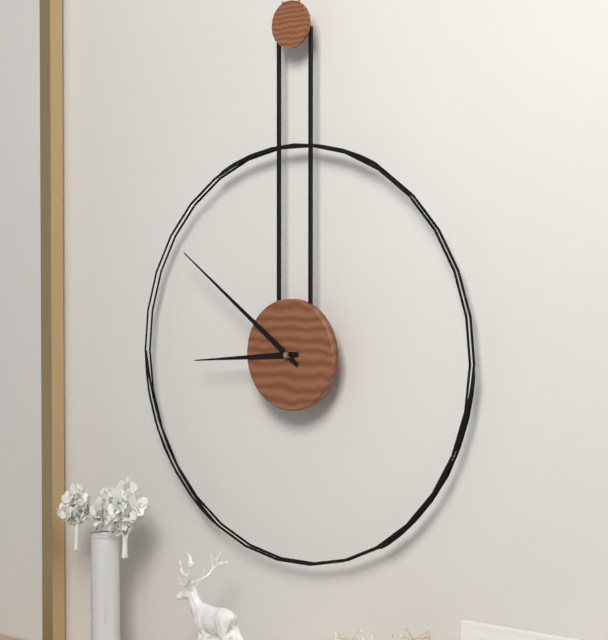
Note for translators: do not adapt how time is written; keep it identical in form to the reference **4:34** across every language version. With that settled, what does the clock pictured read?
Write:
**8:51**
